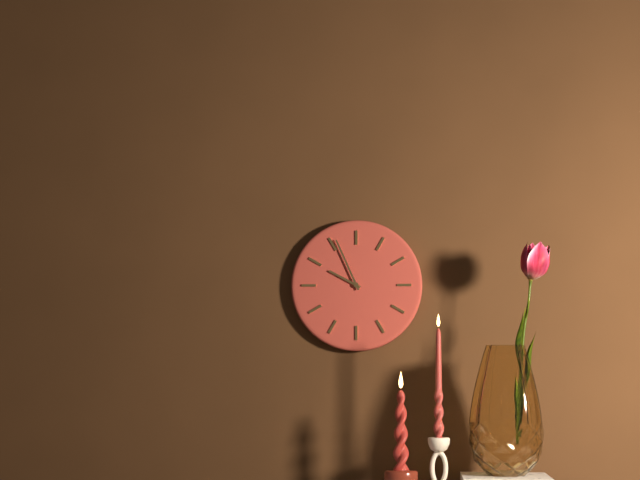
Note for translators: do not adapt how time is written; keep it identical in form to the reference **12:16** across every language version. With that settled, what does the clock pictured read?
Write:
**9:56**
